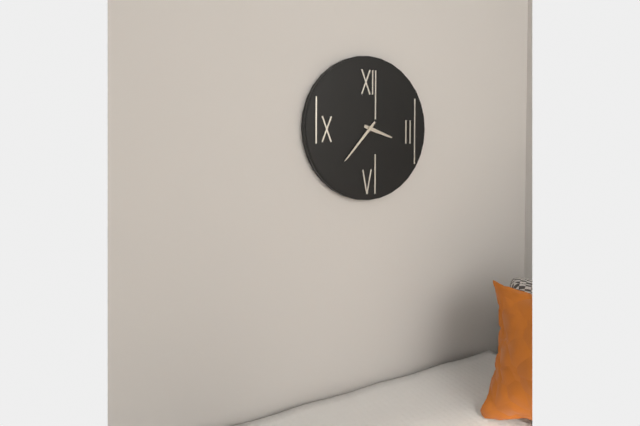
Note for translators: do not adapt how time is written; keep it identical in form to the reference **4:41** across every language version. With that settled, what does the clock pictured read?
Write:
**3:37**
